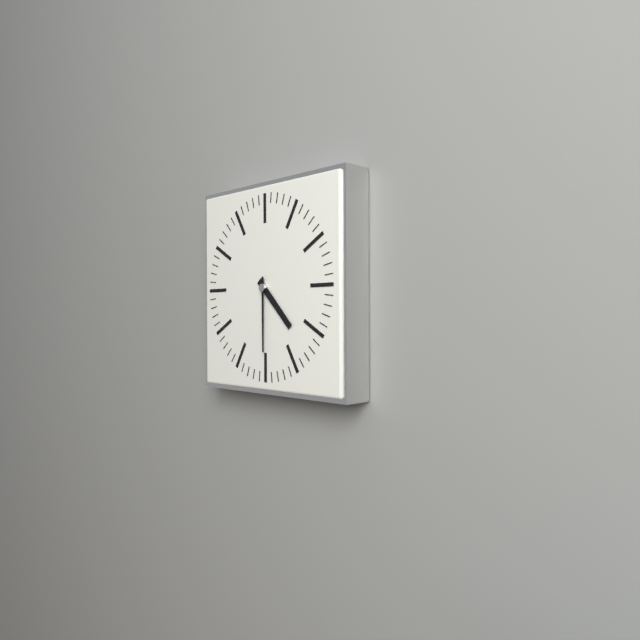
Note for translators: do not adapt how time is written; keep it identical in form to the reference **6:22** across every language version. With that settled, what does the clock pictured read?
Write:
**4:30**
